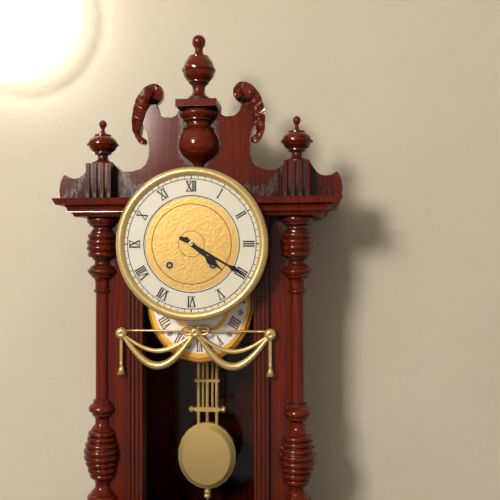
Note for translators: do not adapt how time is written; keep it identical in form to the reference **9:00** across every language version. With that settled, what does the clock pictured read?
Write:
**4:20**
